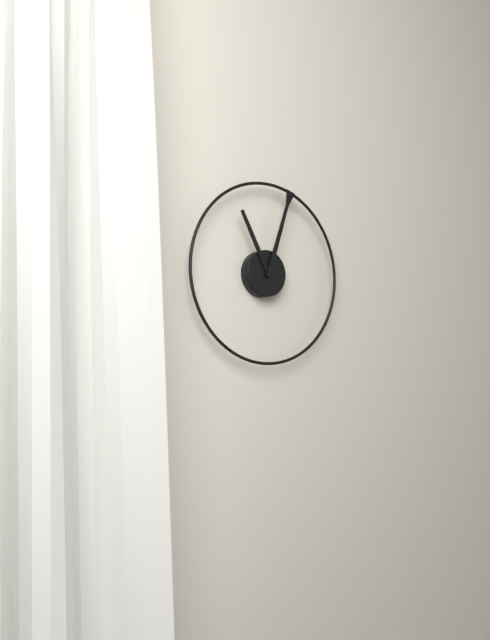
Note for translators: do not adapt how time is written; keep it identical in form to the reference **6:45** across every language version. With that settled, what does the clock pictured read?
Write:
**11:03**
